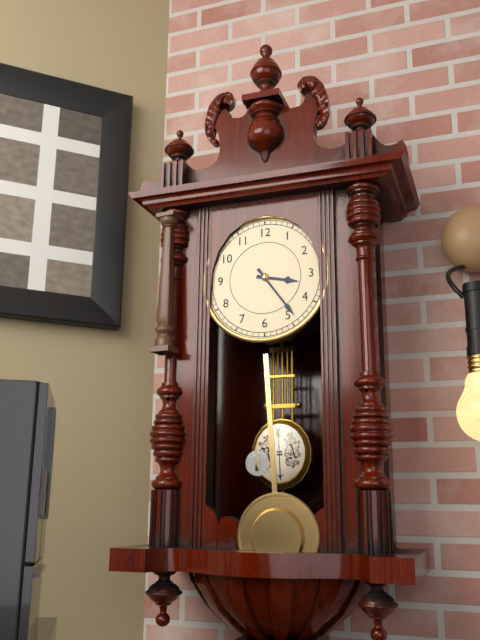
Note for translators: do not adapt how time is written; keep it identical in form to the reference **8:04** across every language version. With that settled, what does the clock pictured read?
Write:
**3:24**
